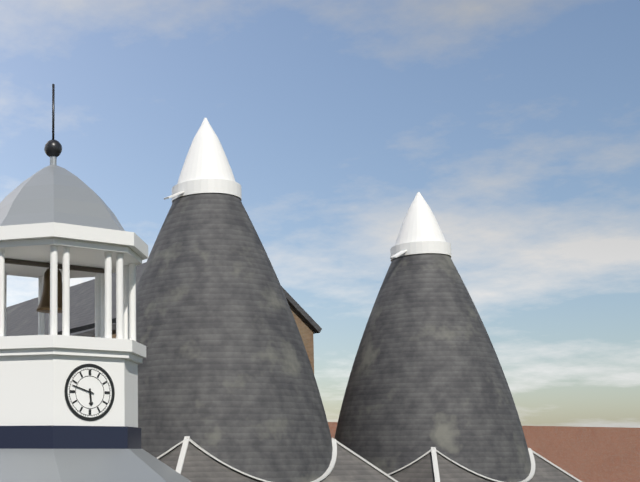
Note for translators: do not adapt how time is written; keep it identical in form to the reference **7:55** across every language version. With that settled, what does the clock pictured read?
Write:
**5:48**
